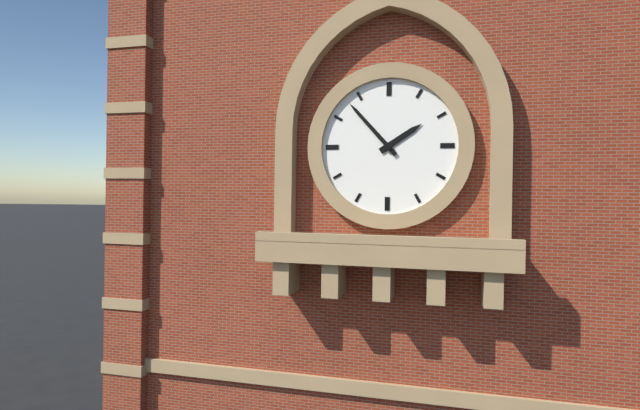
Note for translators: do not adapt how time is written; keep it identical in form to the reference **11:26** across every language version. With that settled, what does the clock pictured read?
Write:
**1:53**
